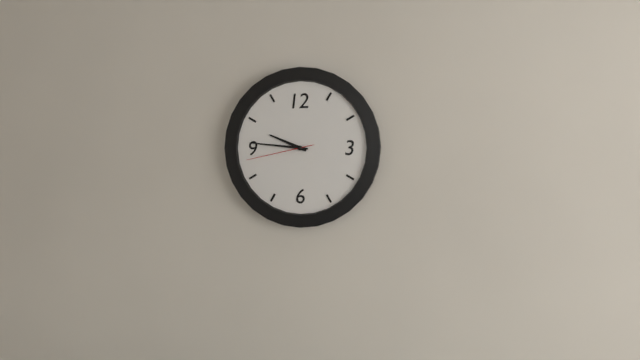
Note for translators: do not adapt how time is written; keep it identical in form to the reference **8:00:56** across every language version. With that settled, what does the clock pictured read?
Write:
**9:46:43**
